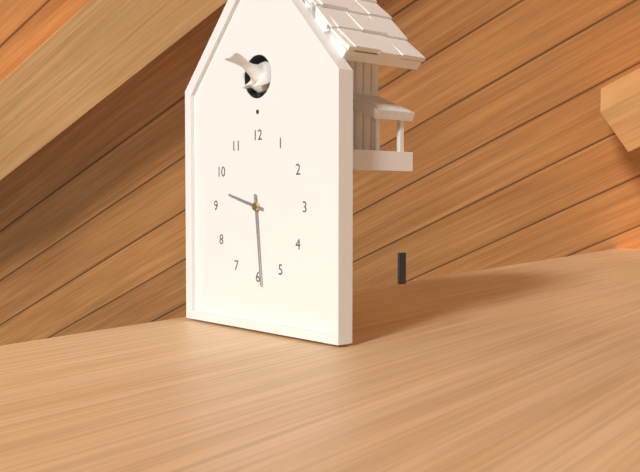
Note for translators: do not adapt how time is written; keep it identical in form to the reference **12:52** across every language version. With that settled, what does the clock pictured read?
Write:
**9:29**
